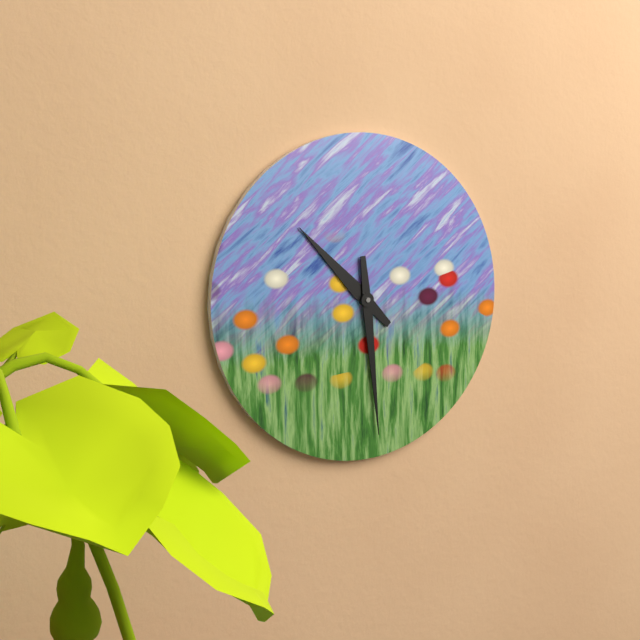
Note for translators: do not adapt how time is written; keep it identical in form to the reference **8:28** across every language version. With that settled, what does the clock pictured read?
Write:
**10:29**
